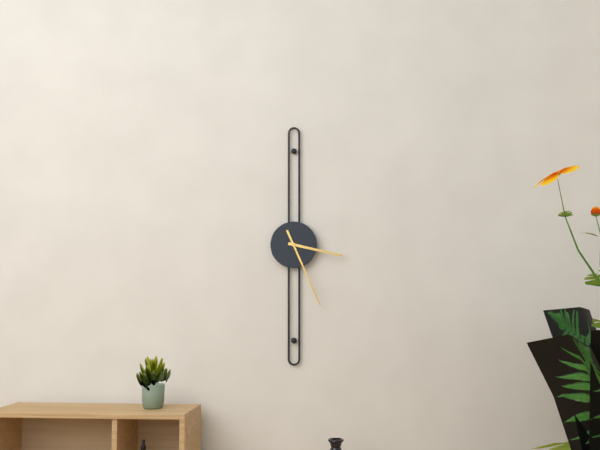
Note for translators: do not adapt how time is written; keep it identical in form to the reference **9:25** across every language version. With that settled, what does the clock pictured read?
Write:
**3:26**
